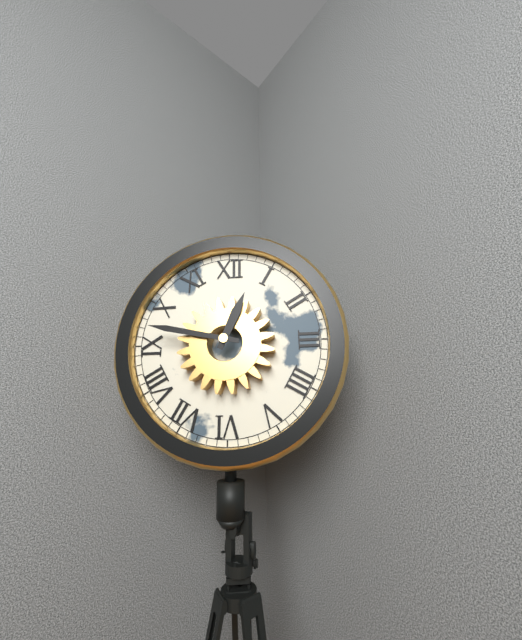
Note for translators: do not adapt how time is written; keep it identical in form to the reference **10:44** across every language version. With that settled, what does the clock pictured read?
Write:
**12:47**
